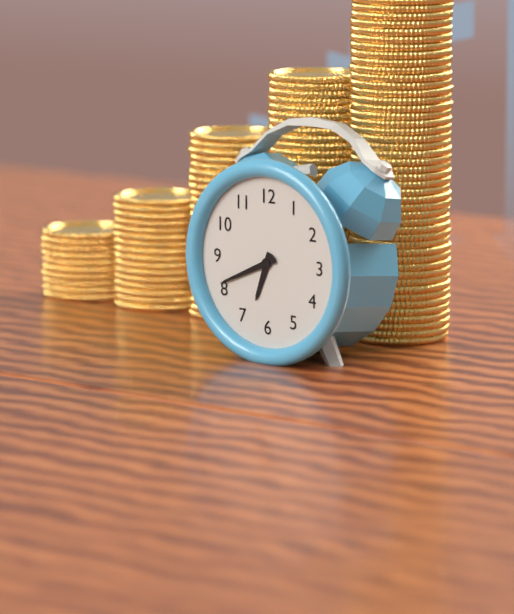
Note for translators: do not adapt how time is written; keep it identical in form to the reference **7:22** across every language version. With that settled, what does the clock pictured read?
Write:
**6:41**
